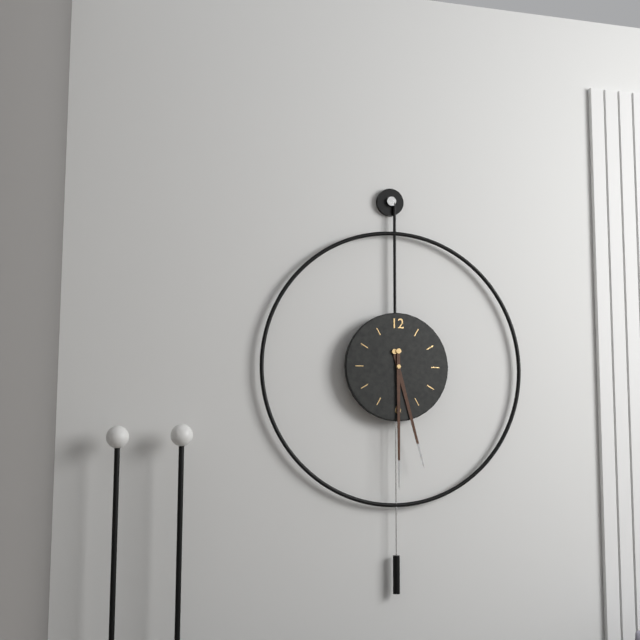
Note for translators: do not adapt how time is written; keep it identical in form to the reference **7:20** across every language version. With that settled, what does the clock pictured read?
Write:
**5:30**
